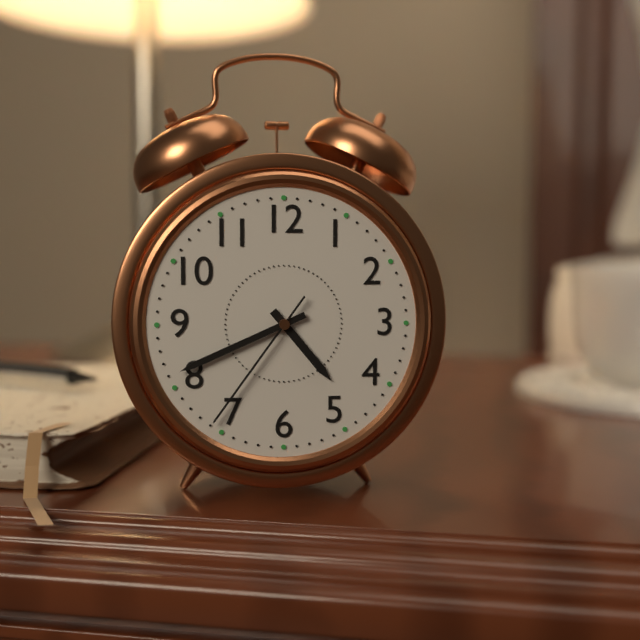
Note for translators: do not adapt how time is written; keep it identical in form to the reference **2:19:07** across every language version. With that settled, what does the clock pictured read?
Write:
**4:41:36**
